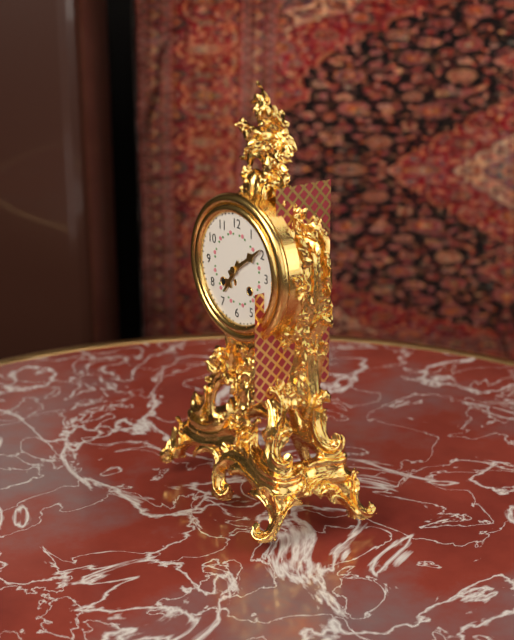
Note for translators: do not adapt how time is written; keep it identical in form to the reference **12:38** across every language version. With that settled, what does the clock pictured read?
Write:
**7:09**
